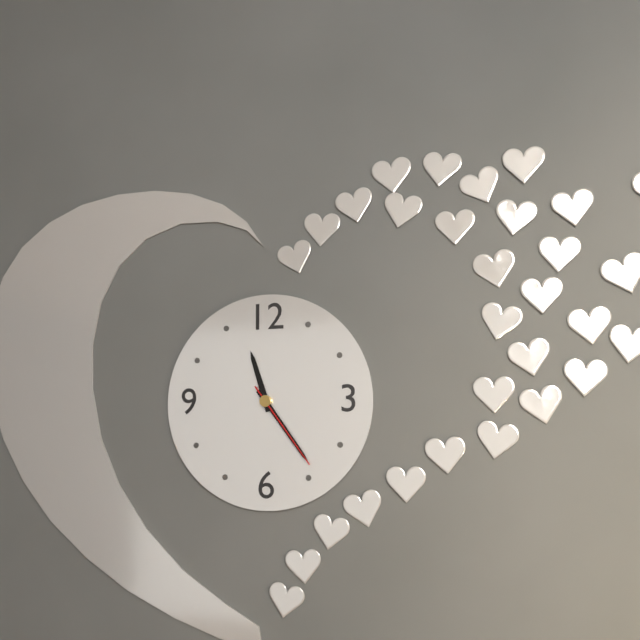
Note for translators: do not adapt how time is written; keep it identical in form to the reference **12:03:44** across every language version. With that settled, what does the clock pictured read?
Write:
**11:24:24**
